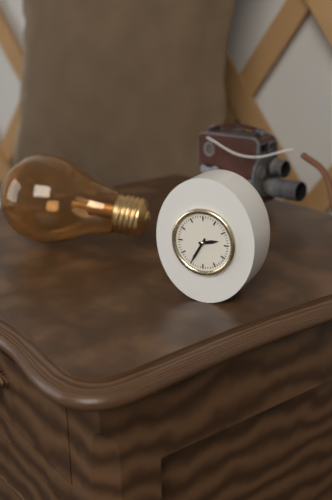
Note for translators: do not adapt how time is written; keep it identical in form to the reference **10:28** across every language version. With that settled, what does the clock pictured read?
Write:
**2:35**
